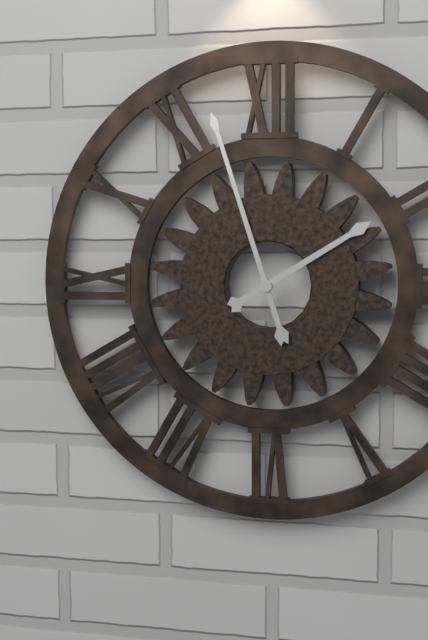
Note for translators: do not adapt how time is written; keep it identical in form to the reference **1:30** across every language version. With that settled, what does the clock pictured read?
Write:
**1:57**
